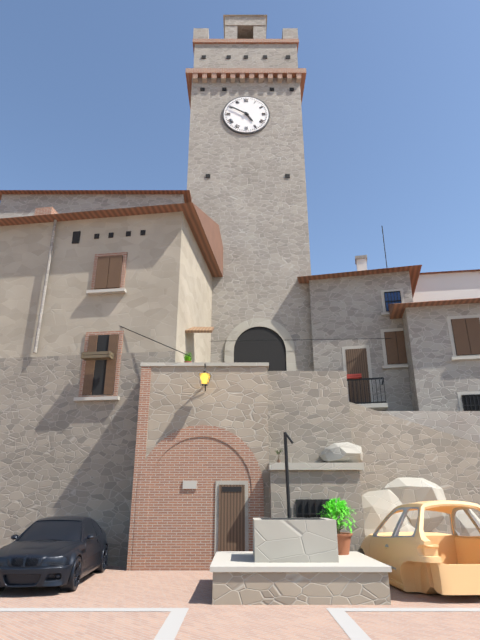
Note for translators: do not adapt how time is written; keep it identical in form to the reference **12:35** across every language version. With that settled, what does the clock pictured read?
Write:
**4:50**
